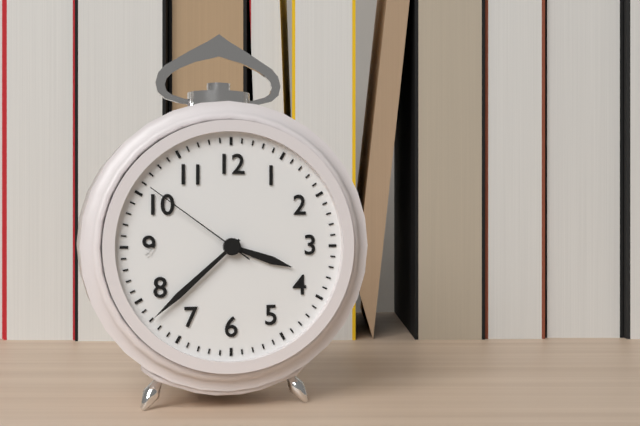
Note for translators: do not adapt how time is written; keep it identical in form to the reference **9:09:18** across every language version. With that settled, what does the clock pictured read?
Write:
**3:38:51**
